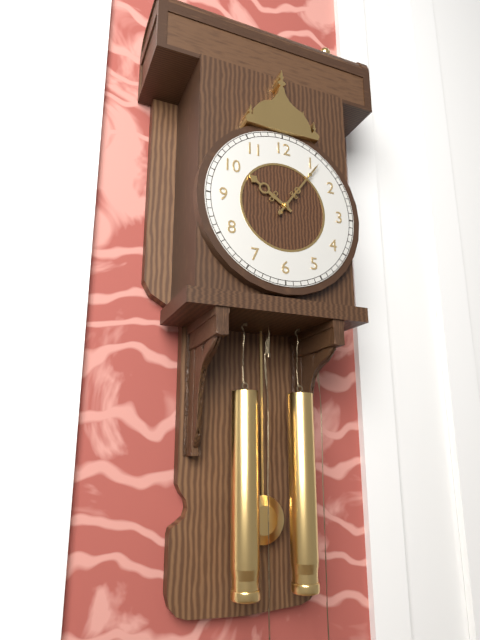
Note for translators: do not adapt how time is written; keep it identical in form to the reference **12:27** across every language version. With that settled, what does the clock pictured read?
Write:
**10:06**
